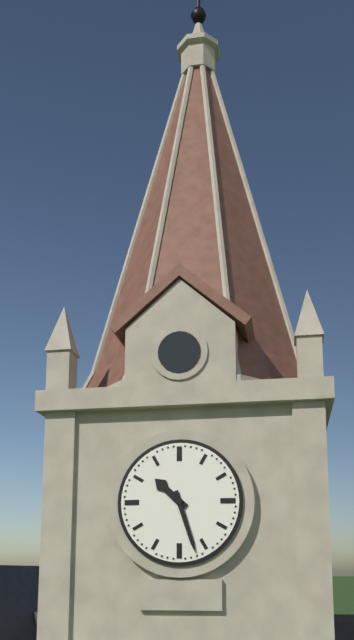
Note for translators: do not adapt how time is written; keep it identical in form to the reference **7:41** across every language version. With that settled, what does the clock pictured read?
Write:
**10:27**
